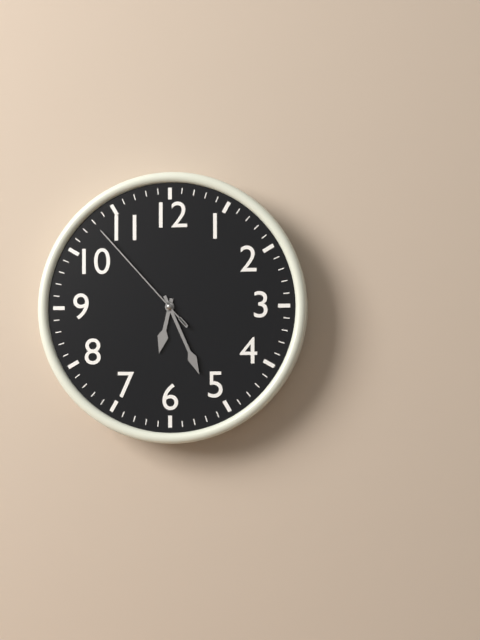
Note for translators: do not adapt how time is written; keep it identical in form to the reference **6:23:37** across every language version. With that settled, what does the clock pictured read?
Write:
**6:26:53**
